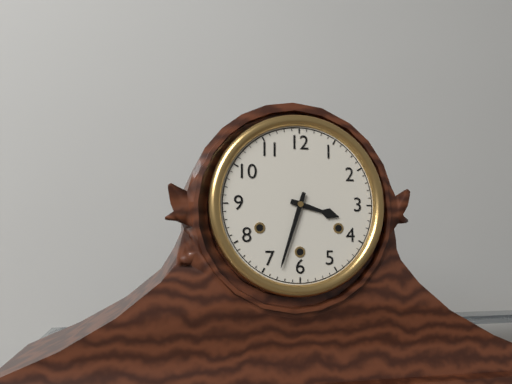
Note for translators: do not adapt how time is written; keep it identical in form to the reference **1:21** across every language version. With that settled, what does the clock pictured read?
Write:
**3:33**
